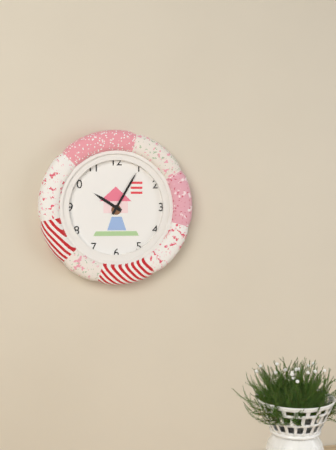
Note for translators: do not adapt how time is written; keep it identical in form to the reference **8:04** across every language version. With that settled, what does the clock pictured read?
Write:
**10:05**
